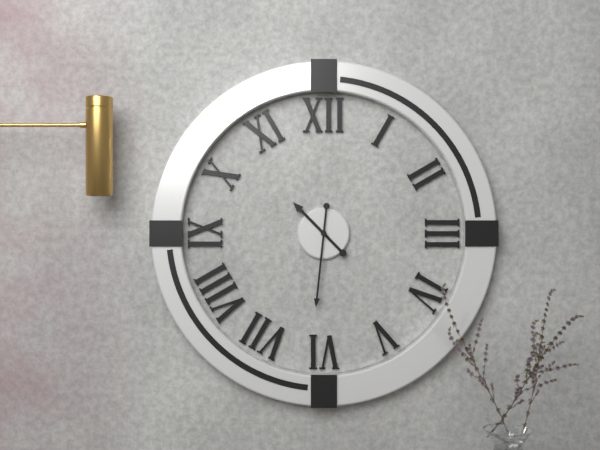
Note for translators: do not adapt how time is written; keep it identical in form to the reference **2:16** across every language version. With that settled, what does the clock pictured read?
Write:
**10:31**
